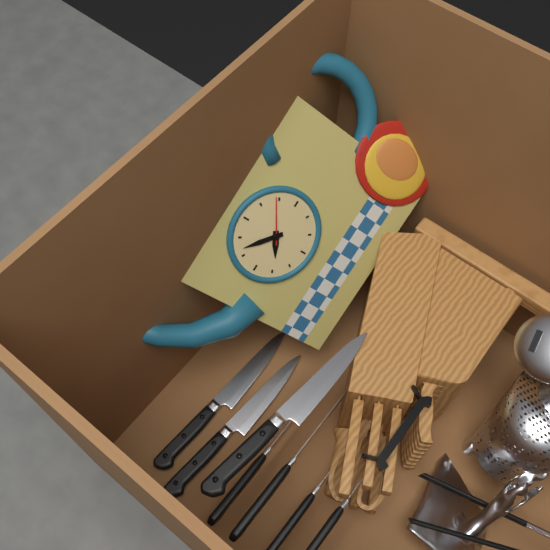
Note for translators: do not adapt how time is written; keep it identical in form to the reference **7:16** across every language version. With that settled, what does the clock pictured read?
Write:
**7:52**
